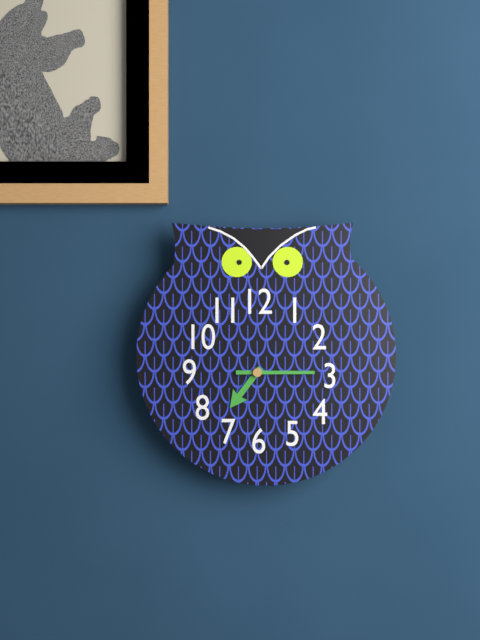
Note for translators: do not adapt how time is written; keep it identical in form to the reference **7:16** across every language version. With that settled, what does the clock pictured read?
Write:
**7:15**
